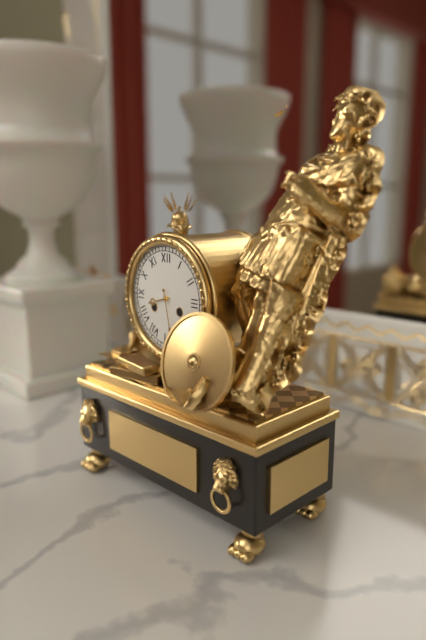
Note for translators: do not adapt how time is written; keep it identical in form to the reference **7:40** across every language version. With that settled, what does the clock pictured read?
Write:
**8:28**
